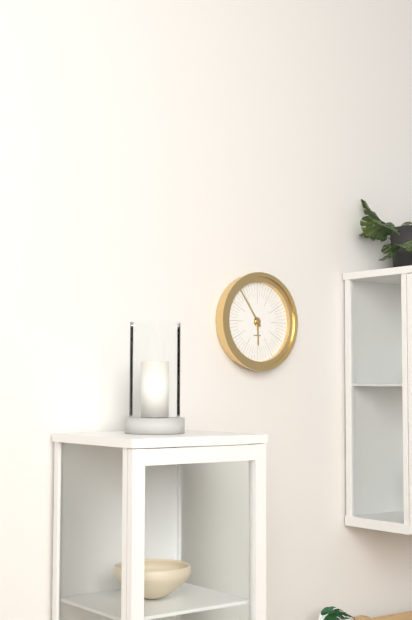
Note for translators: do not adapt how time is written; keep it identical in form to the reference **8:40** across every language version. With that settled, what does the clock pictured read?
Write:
**5:54**
